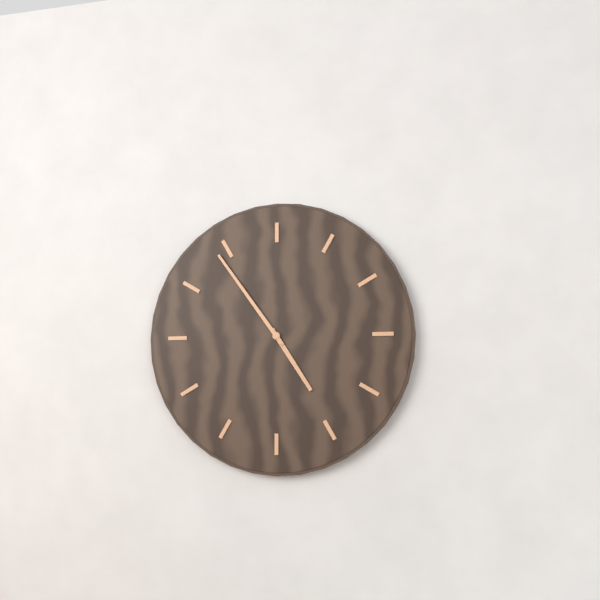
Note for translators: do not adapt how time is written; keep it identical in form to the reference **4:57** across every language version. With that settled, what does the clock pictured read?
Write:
**4:54**
